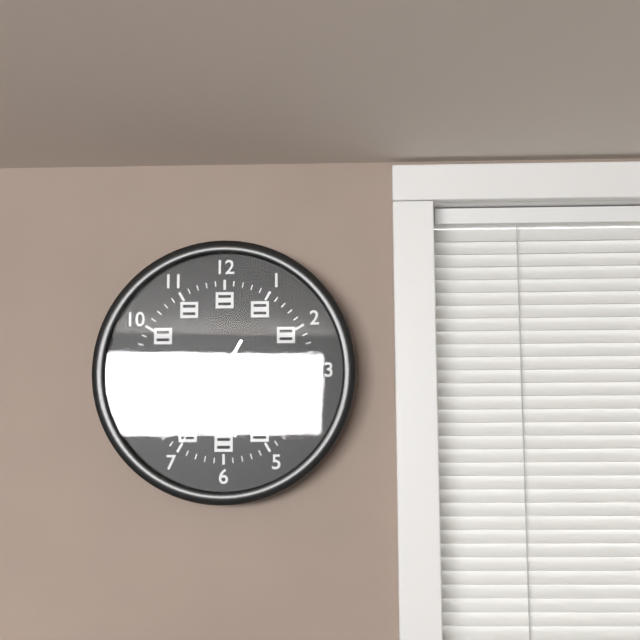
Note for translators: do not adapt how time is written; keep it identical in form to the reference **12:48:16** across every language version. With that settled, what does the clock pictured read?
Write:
**5:39:35**
